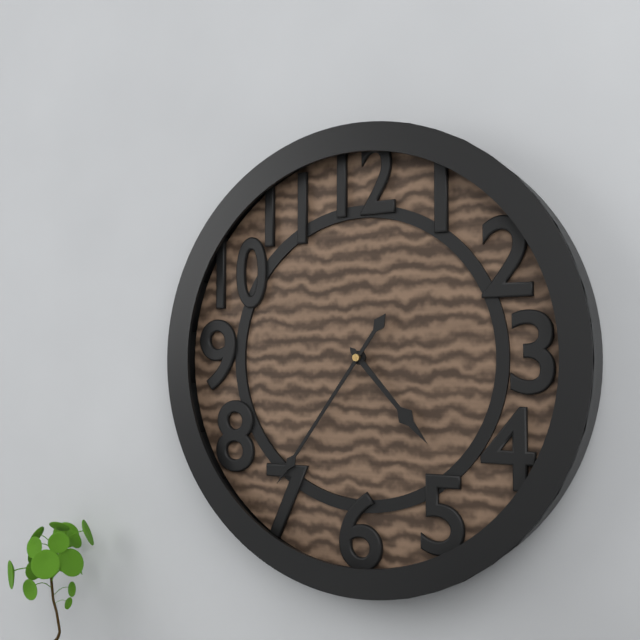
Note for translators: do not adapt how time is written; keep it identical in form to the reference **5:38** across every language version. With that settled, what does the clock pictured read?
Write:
**4:36**
